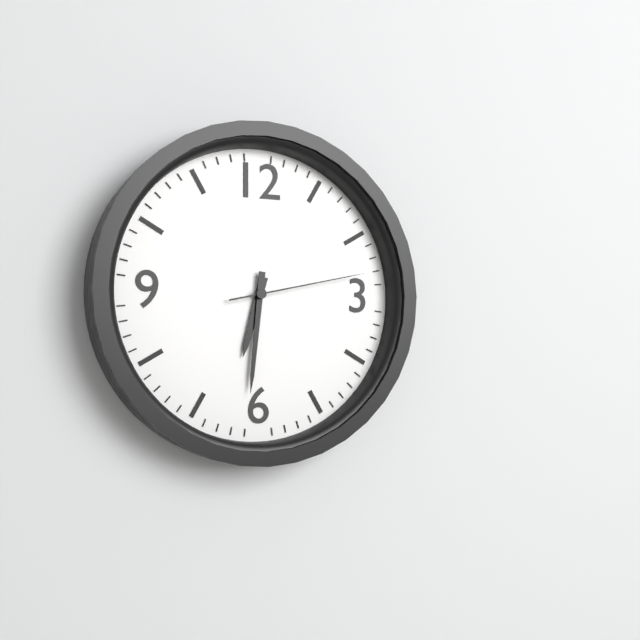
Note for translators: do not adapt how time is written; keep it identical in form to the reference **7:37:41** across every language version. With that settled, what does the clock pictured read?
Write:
**6:31:13**
